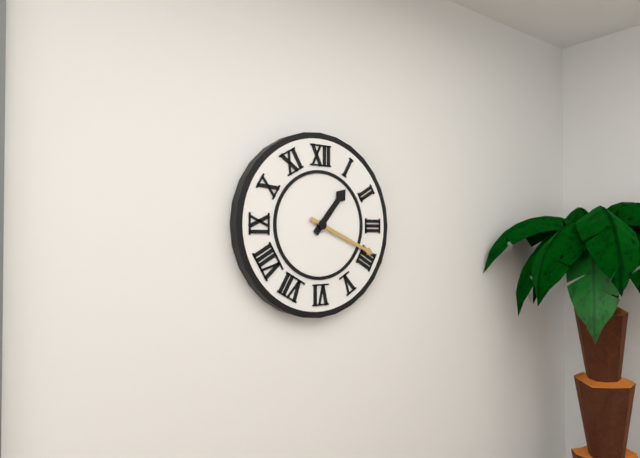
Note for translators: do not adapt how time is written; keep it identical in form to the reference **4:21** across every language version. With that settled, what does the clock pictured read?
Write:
**1:19**
